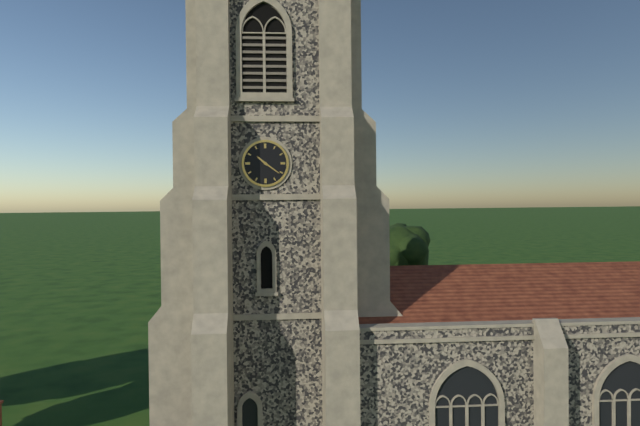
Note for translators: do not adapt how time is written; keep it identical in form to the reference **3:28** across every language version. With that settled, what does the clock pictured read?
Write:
**10:21**
